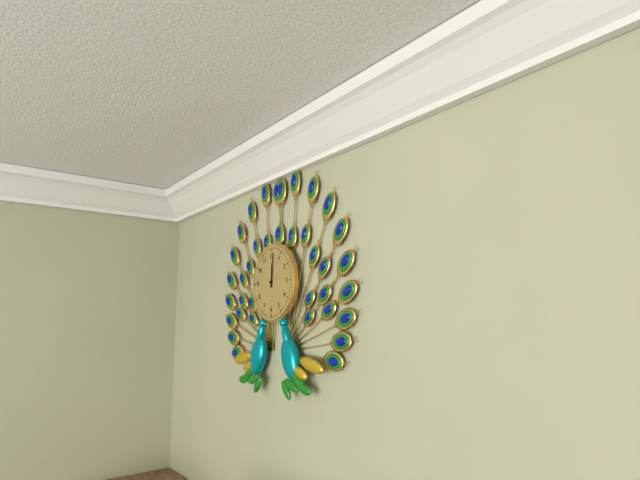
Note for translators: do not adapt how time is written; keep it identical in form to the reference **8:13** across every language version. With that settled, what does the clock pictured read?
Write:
**12:01**
